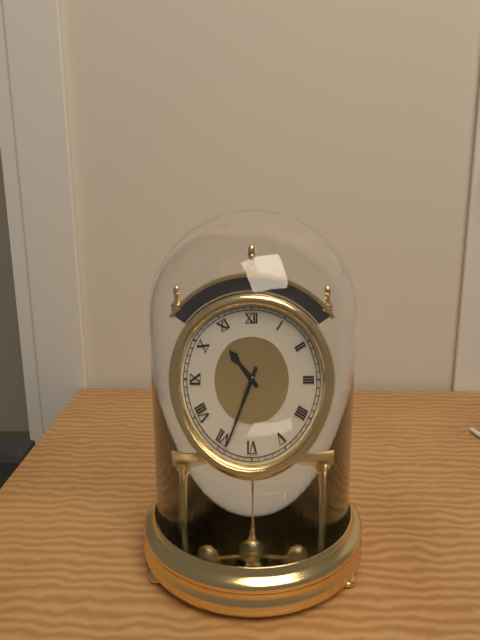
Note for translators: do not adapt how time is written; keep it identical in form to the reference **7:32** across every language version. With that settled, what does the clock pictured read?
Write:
**10:34**
